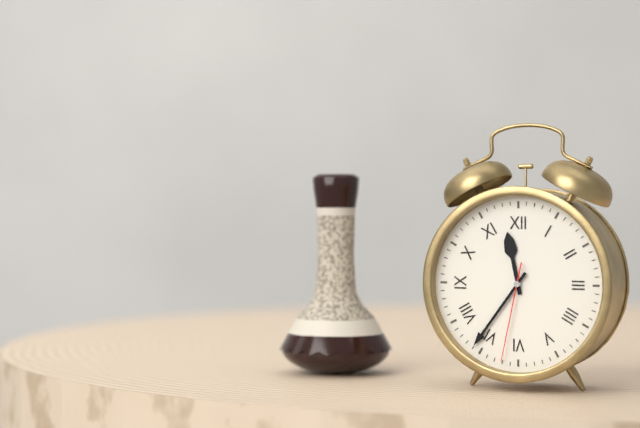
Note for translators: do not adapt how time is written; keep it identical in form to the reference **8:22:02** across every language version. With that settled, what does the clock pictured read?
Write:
**11:36:32**
